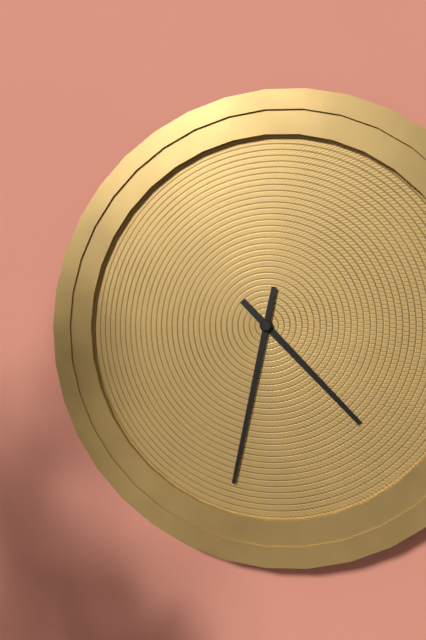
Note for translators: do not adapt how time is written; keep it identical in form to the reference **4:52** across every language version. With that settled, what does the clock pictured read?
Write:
**4:32**
